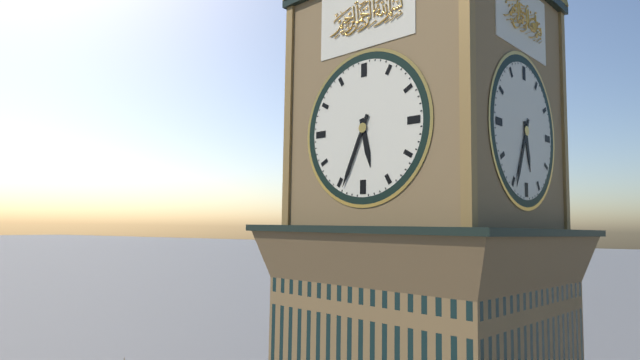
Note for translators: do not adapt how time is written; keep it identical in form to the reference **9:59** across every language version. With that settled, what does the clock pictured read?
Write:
**5:34**
